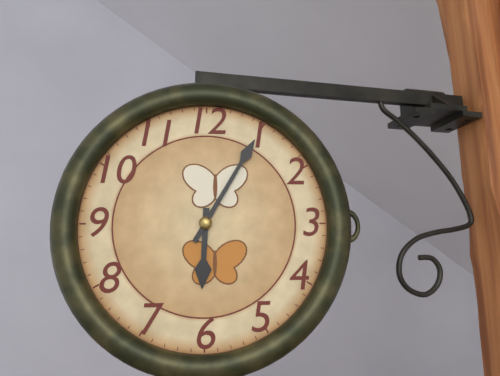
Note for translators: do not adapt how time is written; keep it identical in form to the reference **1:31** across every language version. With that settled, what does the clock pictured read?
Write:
**6:05**
